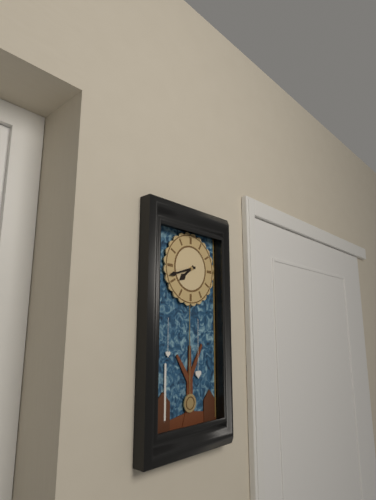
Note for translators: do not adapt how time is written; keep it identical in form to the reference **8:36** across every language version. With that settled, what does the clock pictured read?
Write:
**7:42**
